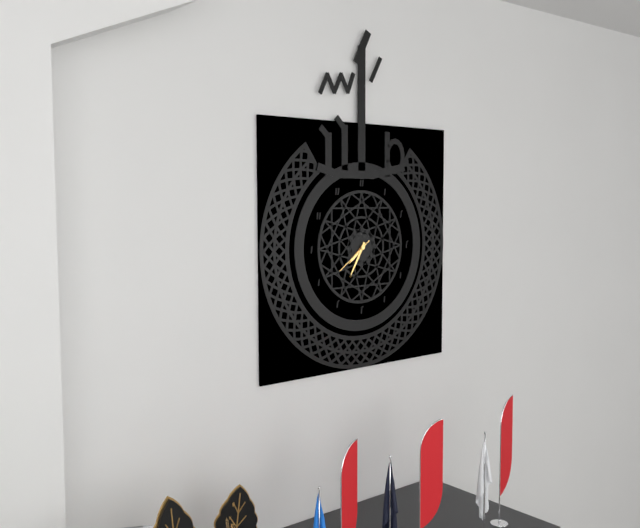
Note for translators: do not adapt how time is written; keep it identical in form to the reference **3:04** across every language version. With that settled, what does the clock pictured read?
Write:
**7:35**
